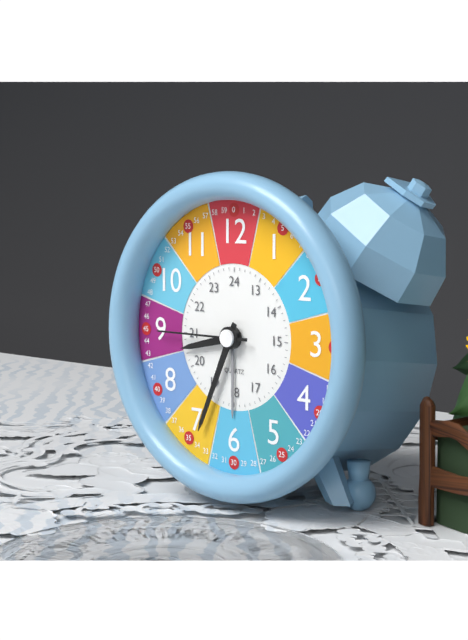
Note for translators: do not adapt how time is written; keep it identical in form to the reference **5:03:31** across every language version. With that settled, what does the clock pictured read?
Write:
**8:34:45**
